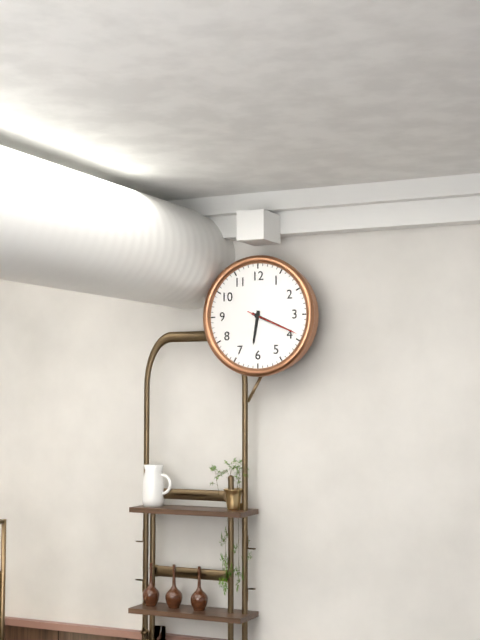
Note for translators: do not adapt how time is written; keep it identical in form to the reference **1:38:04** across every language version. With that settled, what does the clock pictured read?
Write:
**6:19:19**
